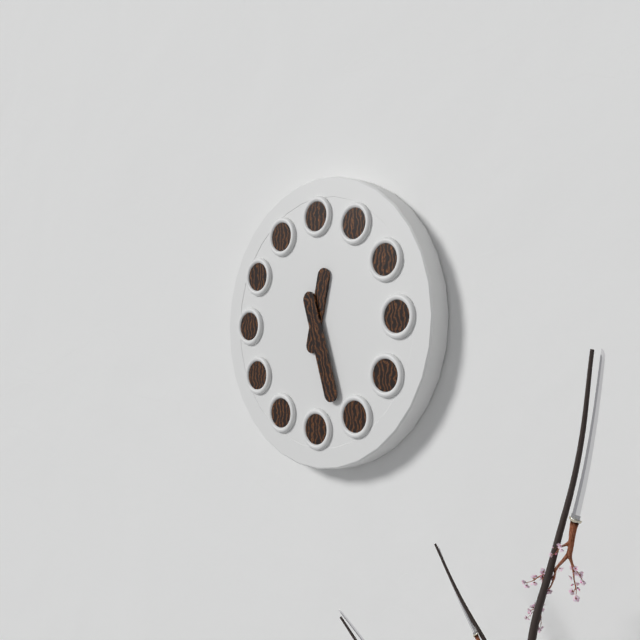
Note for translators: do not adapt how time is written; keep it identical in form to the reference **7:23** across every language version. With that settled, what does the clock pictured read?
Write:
**12:27**
